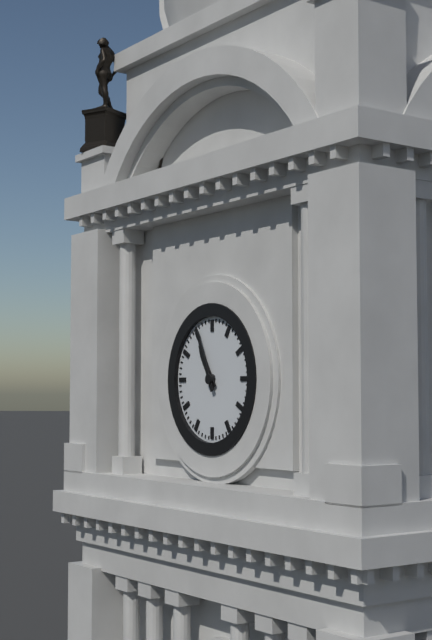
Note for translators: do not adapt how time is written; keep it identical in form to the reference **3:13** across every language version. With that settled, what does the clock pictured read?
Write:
**10:56**
